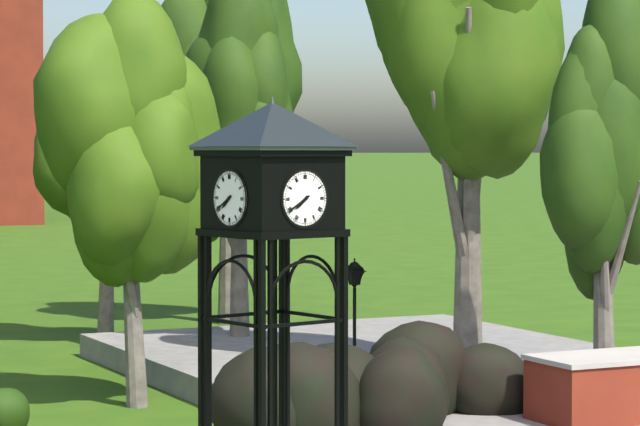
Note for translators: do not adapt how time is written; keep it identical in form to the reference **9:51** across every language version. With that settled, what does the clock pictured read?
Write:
**7:40**
